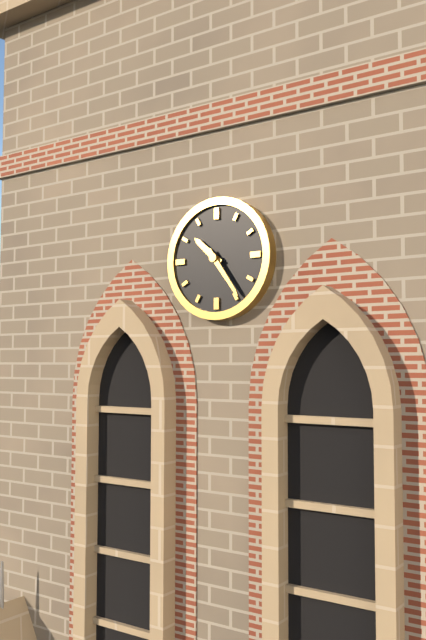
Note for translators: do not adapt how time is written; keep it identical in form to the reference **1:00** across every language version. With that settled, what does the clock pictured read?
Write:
**10:24**
